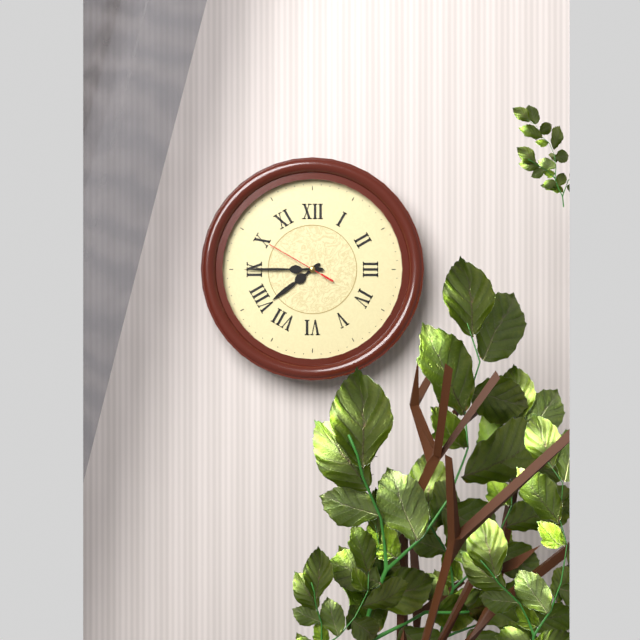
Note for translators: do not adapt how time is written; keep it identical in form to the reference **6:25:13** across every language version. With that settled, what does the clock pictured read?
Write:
**7:45:50**
